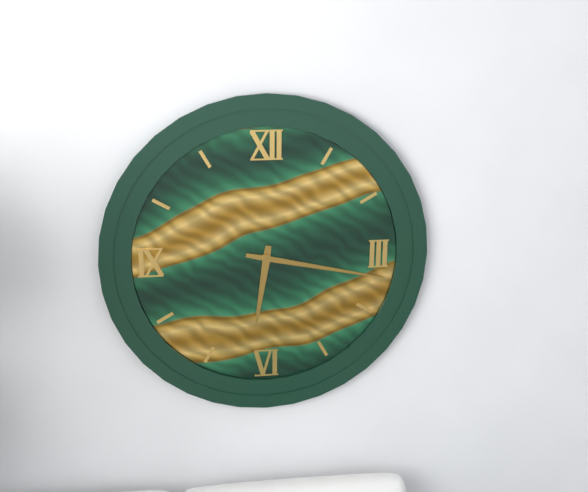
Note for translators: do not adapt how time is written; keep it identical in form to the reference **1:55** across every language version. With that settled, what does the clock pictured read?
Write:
**6:17**
